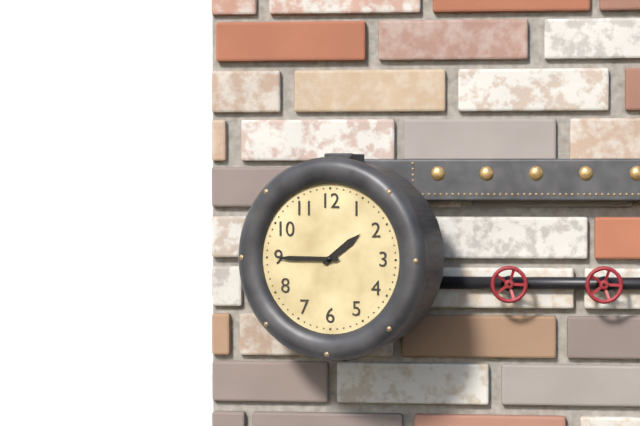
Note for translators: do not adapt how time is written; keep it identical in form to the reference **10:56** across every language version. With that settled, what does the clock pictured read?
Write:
**1:45**
